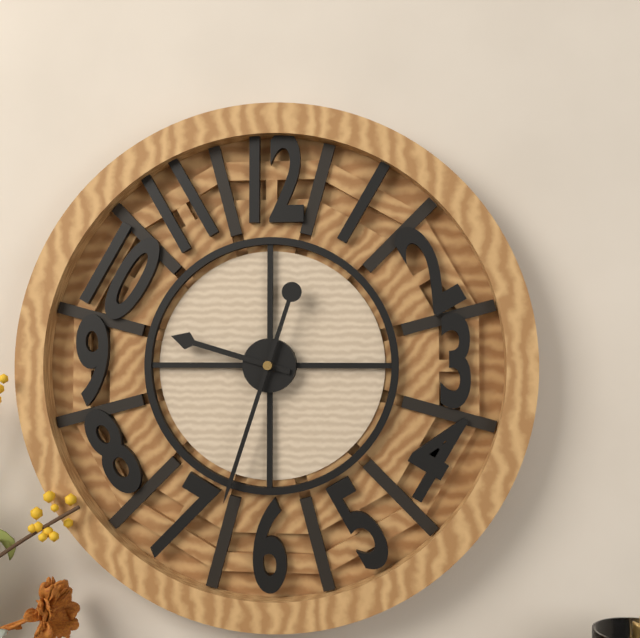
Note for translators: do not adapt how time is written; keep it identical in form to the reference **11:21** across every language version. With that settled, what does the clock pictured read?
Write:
**9:33**
